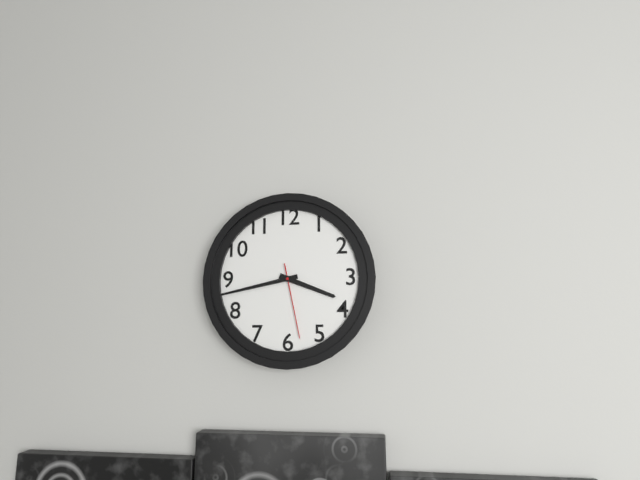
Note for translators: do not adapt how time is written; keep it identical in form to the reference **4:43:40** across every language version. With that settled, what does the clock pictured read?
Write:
**3:43:28**
